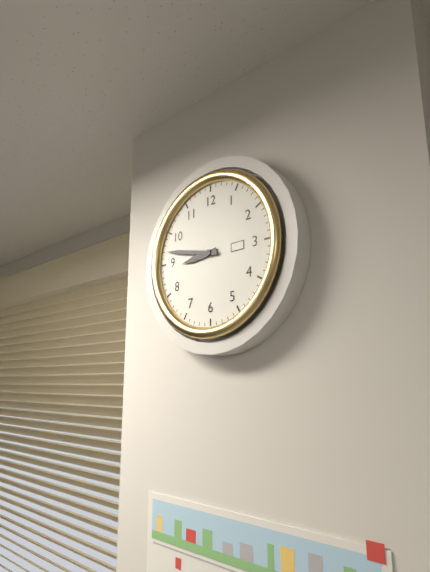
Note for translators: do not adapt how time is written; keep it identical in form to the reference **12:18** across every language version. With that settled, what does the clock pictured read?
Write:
**8:47**
